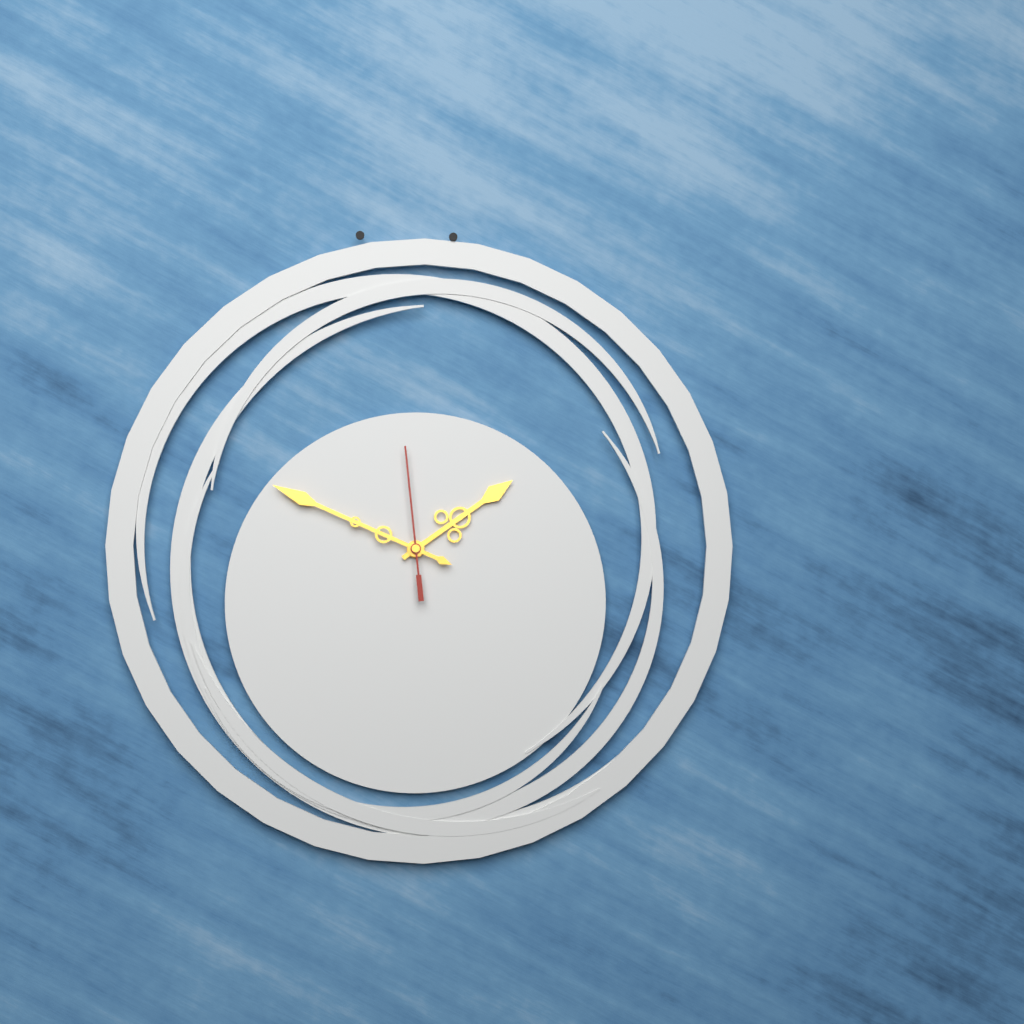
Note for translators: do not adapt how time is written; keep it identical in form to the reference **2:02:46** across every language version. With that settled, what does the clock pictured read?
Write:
**1:49:59**
